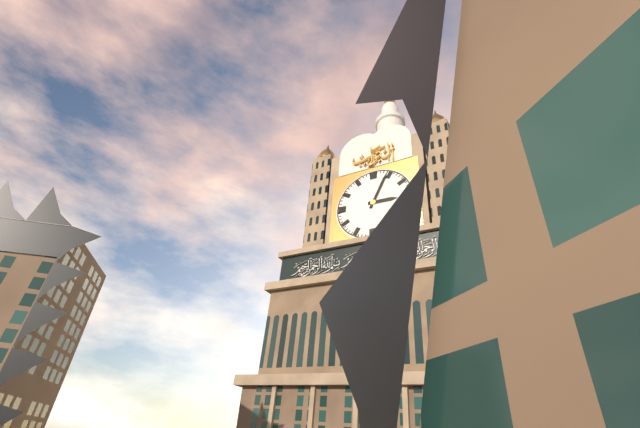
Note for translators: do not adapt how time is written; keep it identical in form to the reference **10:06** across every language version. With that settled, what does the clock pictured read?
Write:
**3:04**
